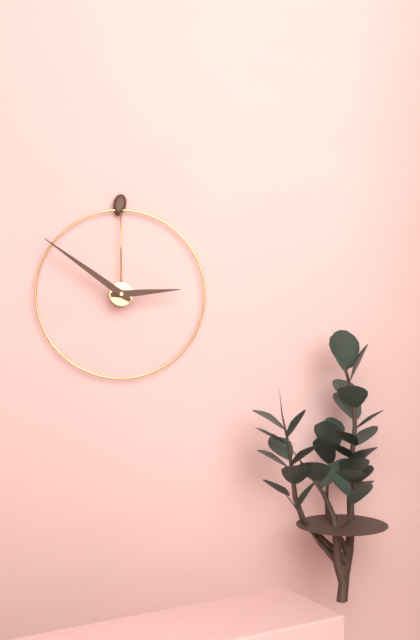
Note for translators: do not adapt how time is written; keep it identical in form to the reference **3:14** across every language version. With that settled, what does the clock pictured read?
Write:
**2:51**
